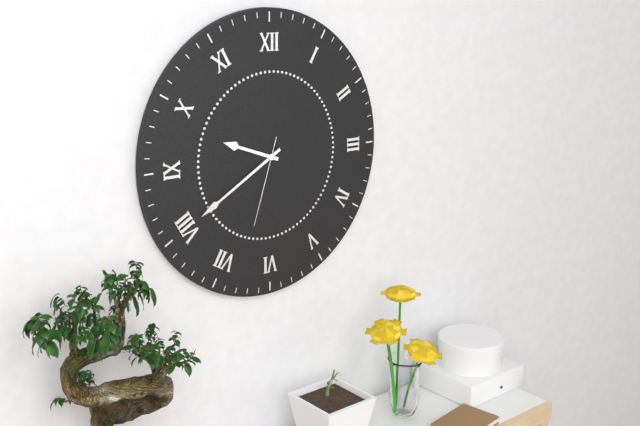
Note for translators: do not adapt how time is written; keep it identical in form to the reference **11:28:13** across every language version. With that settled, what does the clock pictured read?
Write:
**9:40:33**
